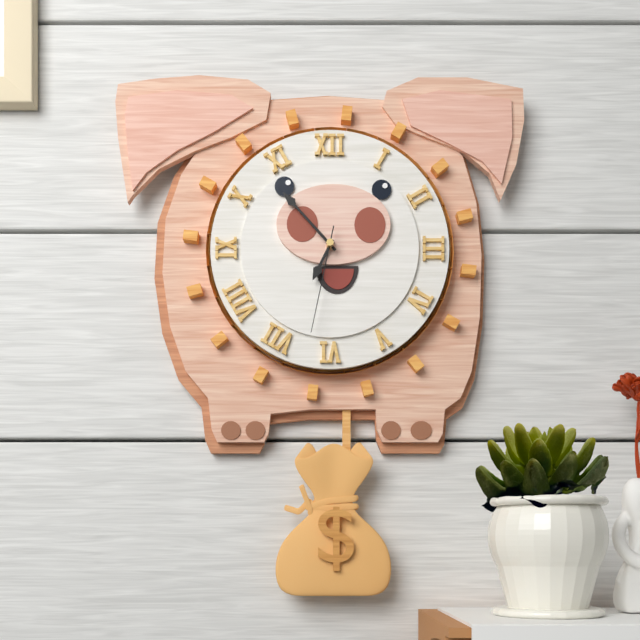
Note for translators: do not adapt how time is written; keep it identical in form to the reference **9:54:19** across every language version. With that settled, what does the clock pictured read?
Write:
**6:53:32**
